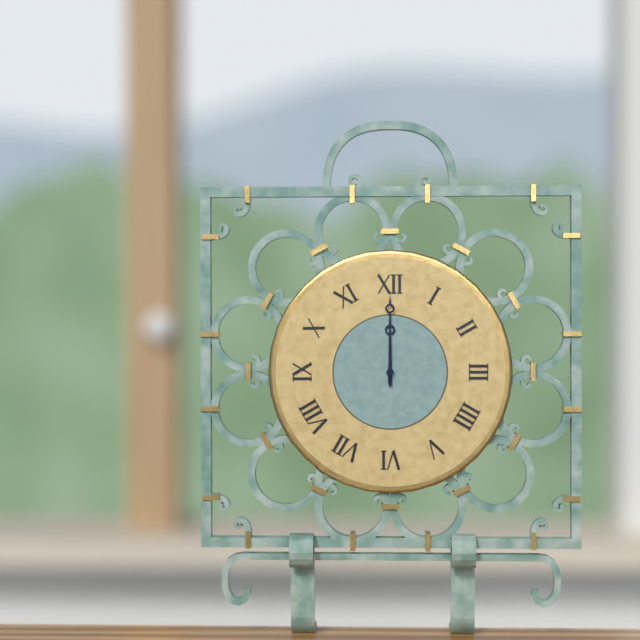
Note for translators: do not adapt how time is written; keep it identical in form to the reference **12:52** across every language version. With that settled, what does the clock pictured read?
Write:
**12:00**
